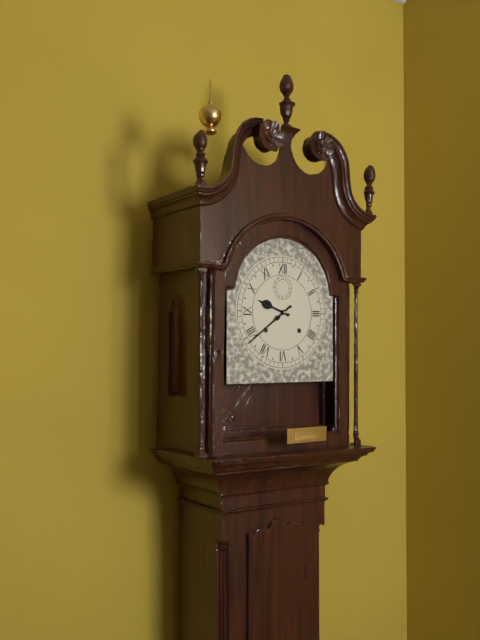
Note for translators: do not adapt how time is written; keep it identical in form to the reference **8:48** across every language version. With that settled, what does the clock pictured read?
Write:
**9:39**
